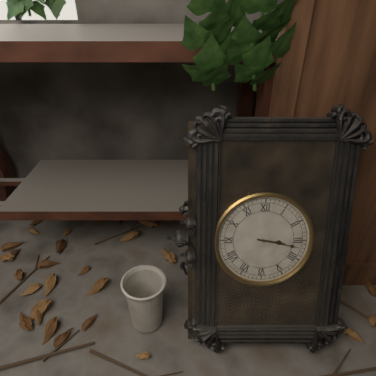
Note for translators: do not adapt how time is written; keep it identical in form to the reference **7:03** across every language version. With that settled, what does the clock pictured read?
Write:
**3:17**
